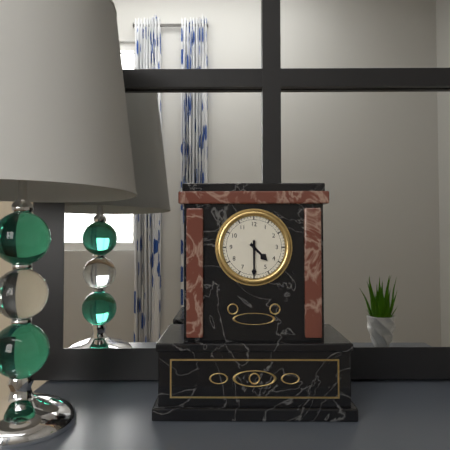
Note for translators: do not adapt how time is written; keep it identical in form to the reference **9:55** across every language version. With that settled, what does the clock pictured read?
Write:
**4:30**
